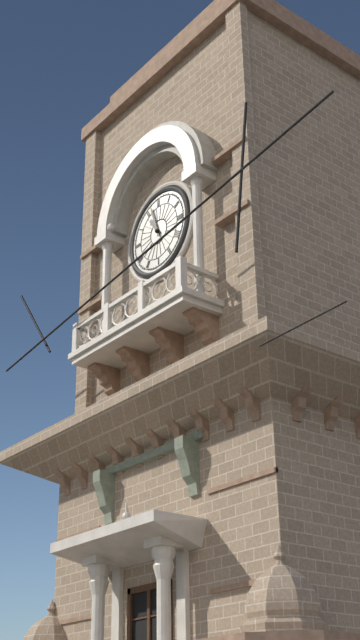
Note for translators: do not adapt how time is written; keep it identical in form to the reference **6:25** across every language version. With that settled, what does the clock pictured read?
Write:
**10:57**
